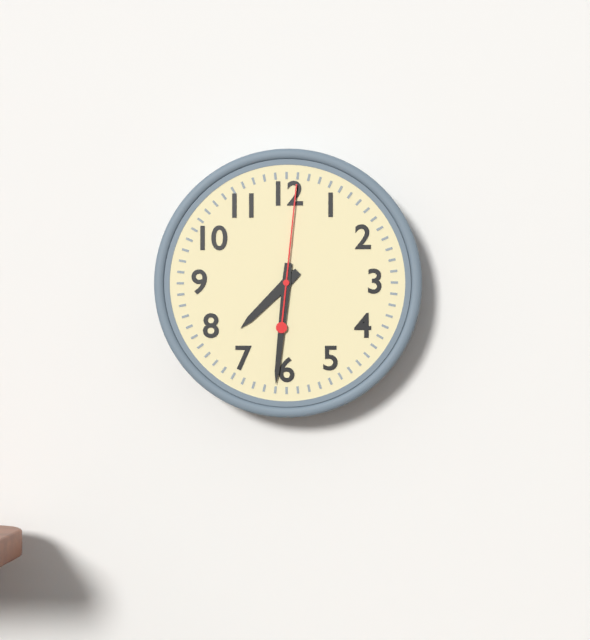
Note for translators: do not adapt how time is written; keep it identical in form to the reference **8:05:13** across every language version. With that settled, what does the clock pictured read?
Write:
**7:31:01**
